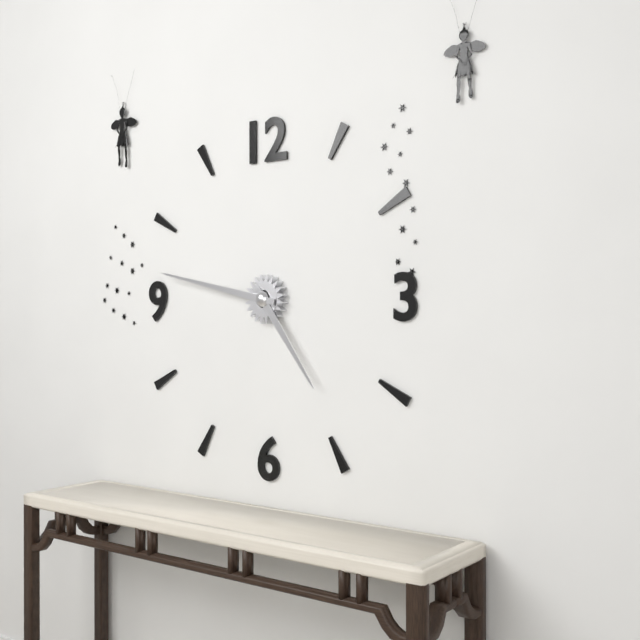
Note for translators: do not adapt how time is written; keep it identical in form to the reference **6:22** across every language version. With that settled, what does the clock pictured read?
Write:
**4:47**
